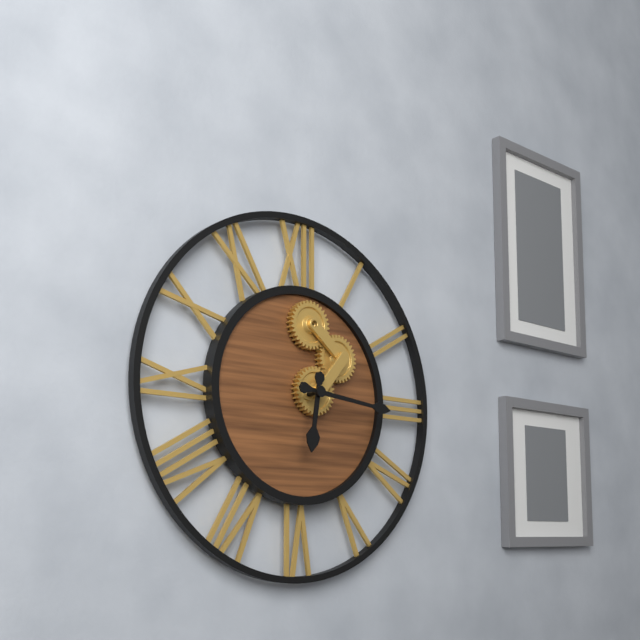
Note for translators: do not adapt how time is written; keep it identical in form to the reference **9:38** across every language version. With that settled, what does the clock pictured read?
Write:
**6:16**
